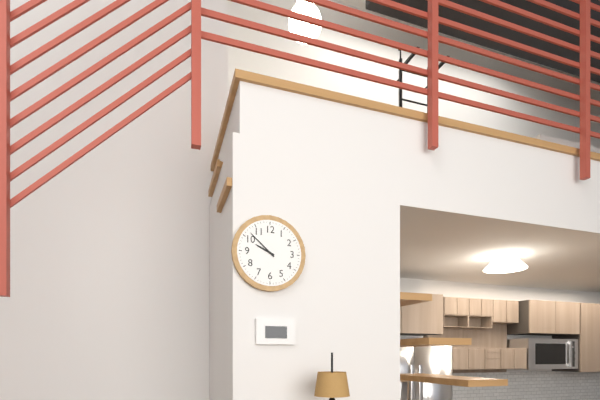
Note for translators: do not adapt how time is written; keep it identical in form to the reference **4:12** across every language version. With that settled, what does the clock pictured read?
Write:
**9:52**
